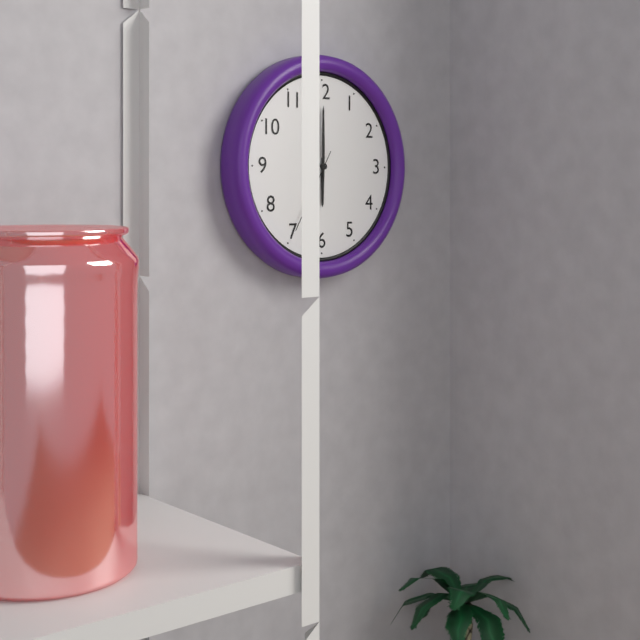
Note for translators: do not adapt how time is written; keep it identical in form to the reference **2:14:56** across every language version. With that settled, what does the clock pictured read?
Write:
**6:00:35**
